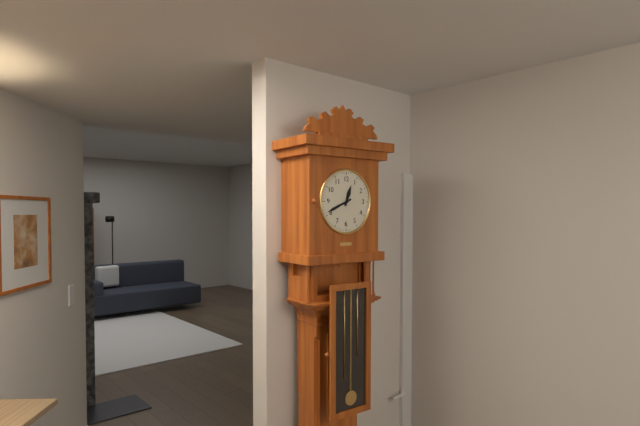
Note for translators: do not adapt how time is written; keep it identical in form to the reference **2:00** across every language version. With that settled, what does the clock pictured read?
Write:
**12:41**
